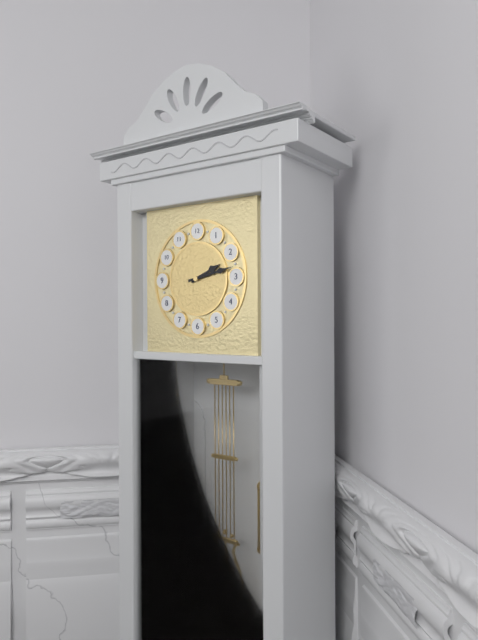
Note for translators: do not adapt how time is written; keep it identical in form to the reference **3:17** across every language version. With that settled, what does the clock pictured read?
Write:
**2:13**
